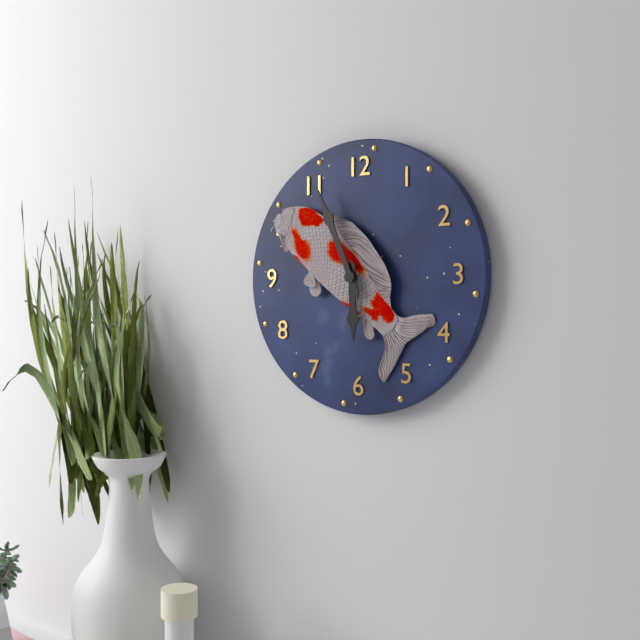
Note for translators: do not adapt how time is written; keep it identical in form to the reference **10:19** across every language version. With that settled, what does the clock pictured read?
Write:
**5:56**
